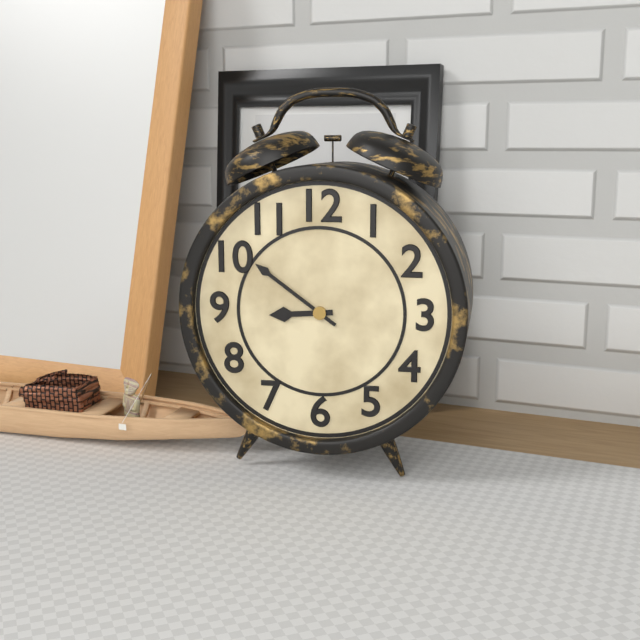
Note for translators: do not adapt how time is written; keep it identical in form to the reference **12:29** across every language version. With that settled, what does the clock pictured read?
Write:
**8:51**
